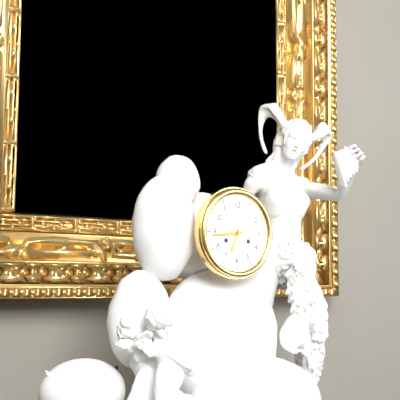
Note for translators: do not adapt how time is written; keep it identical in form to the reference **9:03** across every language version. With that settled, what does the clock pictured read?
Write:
**6:44**
